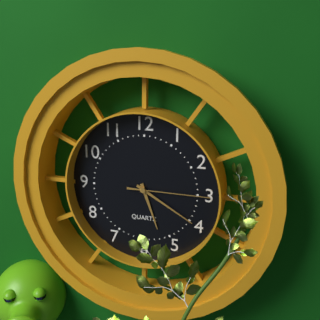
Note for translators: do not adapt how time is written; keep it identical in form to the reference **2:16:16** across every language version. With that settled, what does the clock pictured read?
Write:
**5:20:15**
